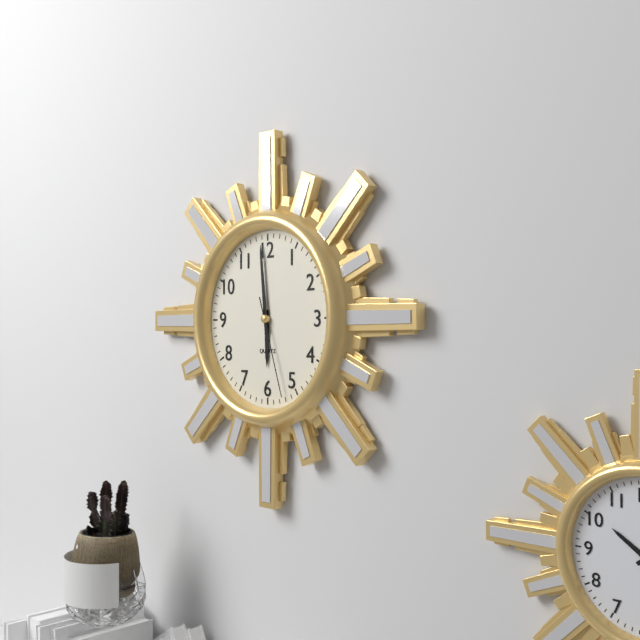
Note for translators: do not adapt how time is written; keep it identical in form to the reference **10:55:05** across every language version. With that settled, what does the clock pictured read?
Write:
**5:59:27**
